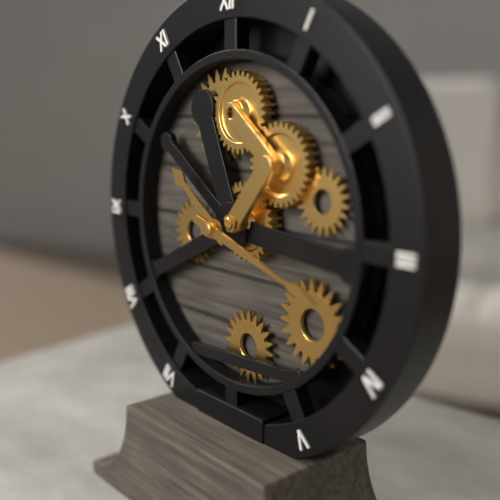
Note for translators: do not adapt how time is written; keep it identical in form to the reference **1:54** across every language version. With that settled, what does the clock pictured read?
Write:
**10:18**
